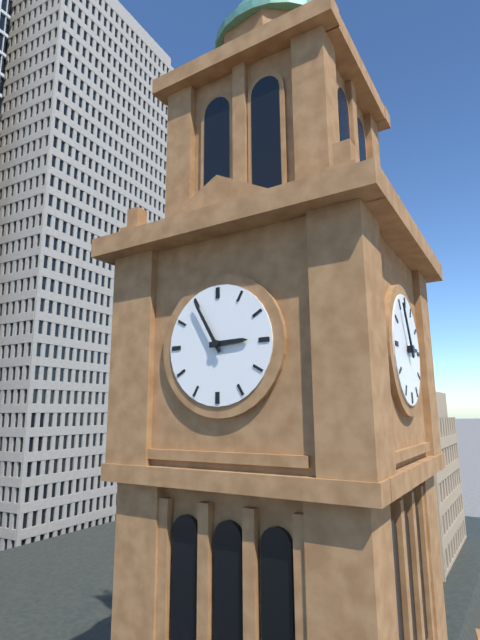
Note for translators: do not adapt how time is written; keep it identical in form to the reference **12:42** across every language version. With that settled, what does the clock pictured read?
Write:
**2:55**
